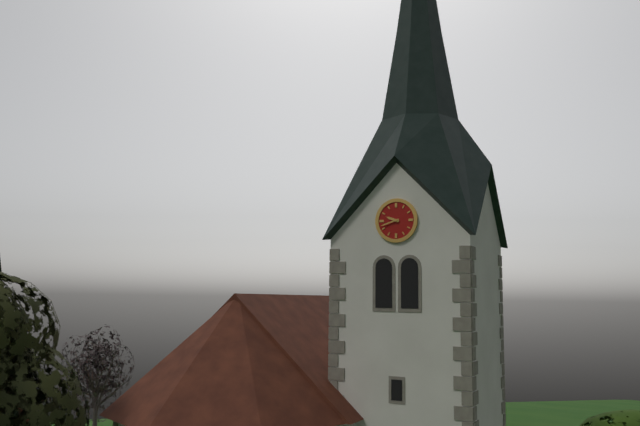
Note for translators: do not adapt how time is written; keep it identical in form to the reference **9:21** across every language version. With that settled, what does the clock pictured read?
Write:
**9:42**
